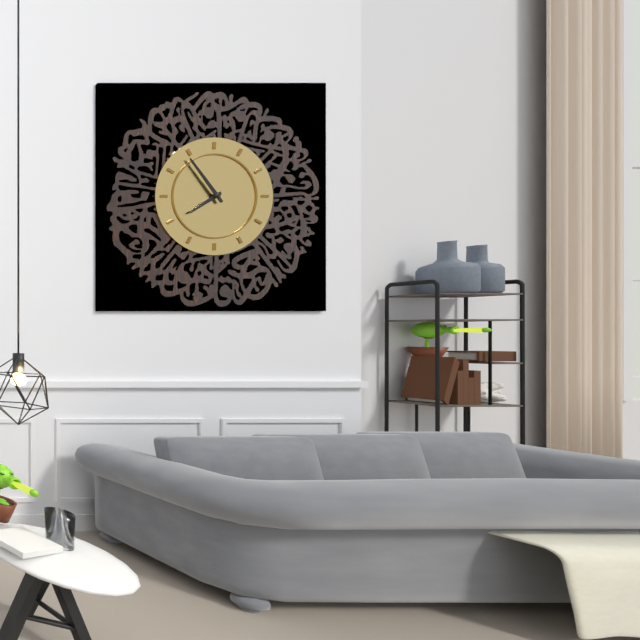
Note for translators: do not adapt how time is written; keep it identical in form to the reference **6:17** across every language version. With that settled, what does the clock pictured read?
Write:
**7:54**
